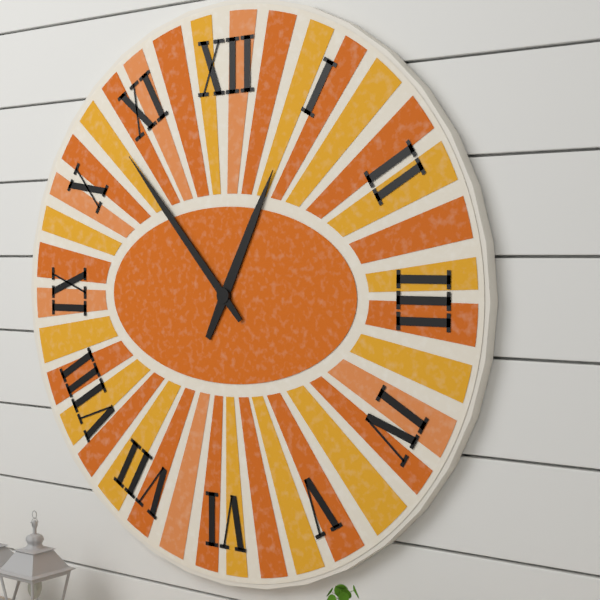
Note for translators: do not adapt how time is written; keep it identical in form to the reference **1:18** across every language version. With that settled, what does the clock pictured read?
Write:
**12:53**
